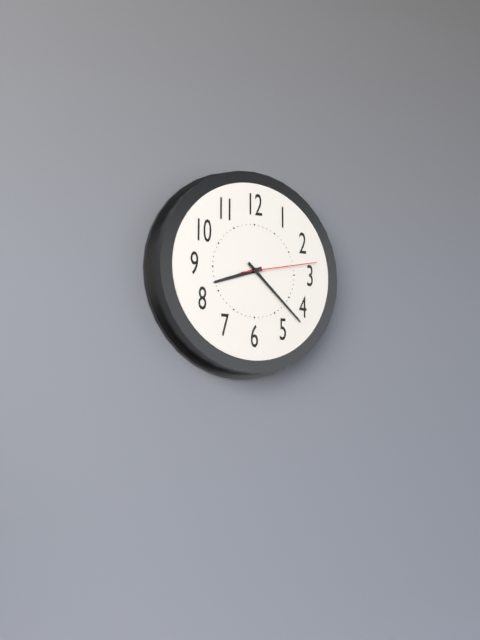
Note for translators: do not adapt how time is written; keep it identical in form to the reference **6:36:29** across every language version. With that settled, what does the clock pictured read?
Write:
**8:22:13**
